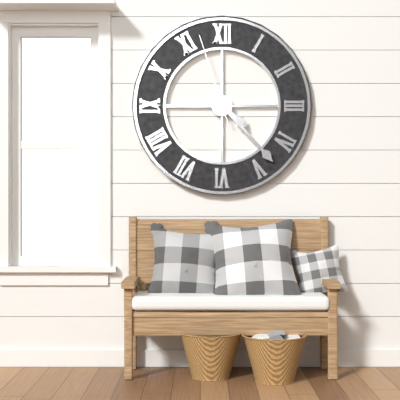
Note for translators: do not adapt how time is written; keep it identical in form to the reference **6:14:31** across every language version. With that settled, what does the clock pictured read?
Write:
**4:23:57**
